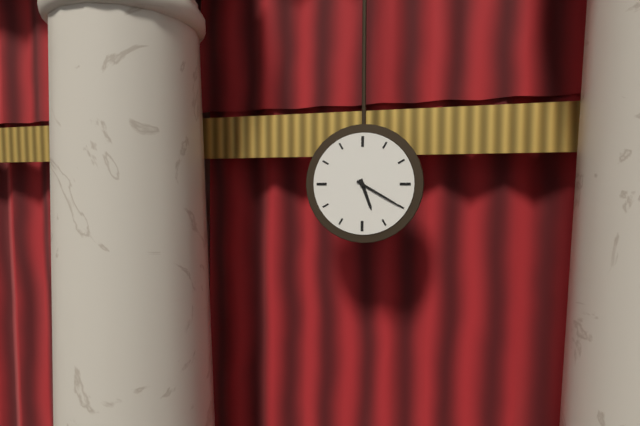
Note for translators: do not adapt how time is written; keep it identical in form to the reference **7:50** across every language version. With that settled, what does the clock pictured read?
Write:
**5:20**
